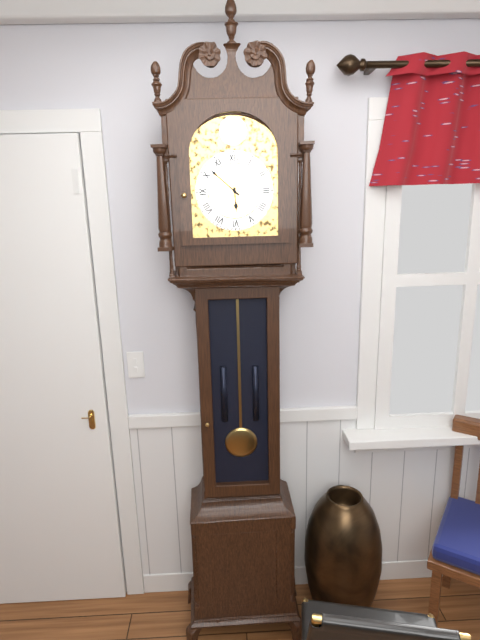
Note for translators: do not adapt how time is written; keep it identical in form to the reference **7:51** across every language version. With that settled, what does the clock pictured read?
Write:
**5:52**
